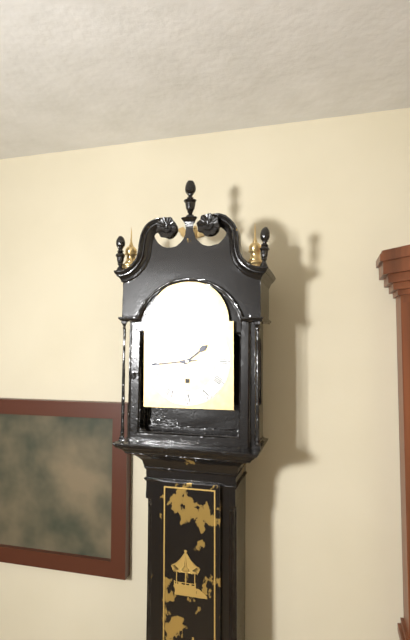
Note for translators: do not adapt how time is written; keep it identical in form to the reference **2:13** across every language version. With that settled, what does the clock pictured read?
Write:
**1:44**
